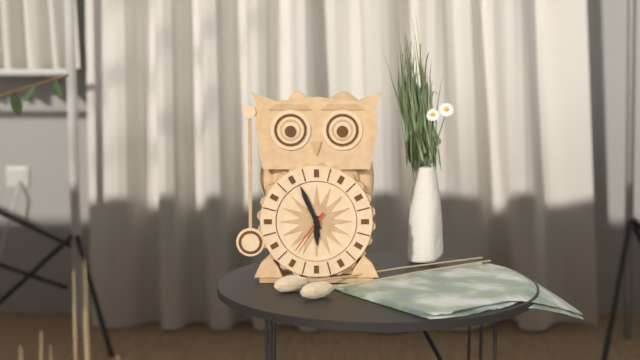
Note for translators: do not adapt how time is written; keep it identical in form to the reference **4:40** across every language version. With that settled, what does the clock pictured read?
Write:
**5:56**
